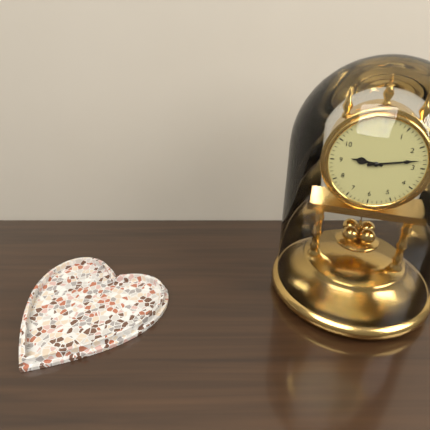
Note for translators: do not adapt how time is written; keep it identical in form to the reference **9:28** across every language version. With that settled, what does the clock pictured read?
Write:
**9:13**
